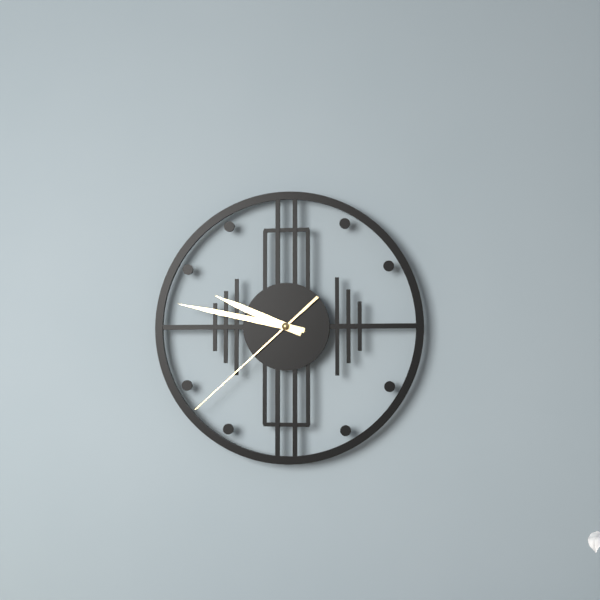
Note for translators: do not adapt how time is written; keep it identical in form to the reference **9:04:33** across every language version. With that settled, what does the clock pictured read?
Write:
**9:47:38**
